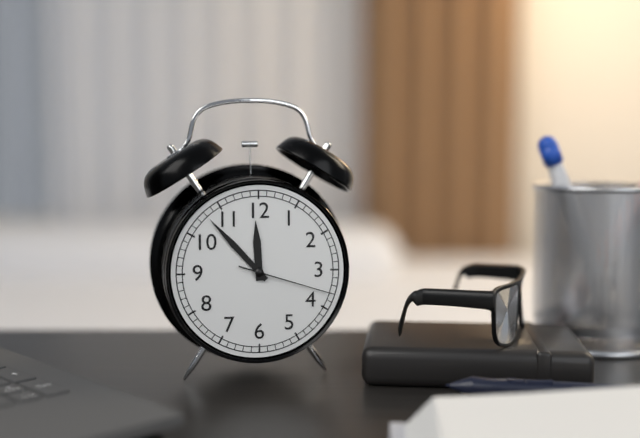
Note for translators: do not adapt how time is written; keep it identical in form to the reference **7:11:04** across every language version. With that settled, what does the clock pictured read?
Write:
**11:53:18**
